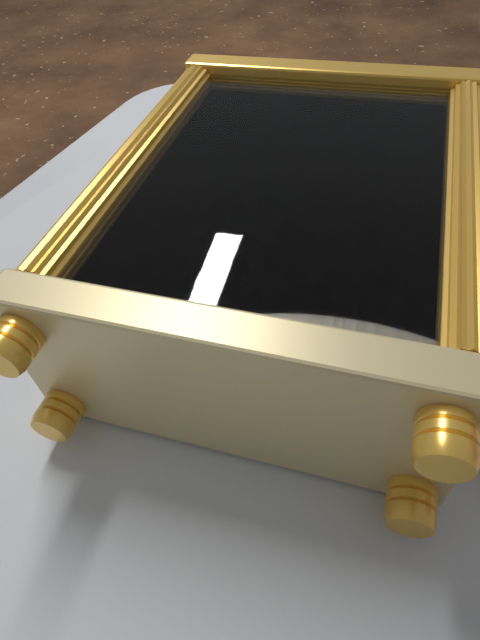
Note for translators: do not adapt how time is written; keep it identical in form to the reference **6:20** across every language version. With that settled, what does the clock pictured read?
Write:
**8:11**
